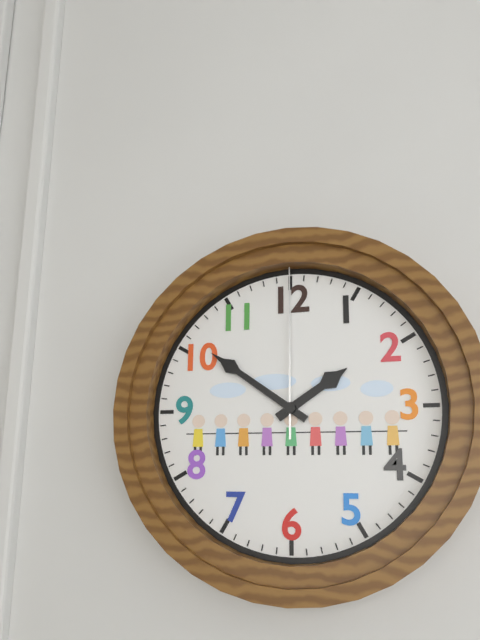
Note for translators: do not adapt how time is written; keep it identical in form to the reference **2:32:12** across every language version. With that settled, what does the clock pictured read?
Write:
**1:51:00**
